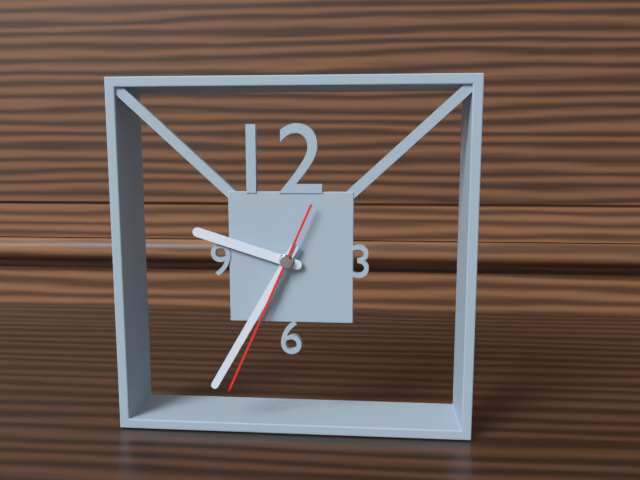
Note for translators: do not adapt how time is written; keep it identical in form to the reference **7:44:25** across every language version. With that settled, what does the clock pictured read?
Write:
**9:35:34**
